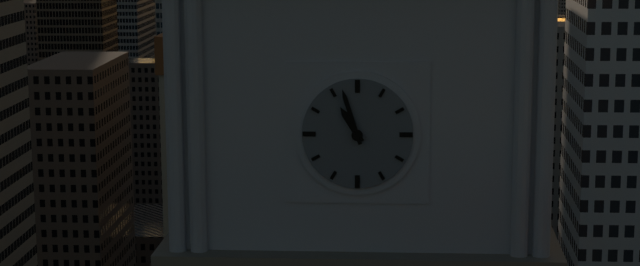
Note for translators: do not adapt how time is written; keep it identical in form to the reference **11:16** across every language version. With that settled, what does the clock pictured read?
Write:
**10:57**
